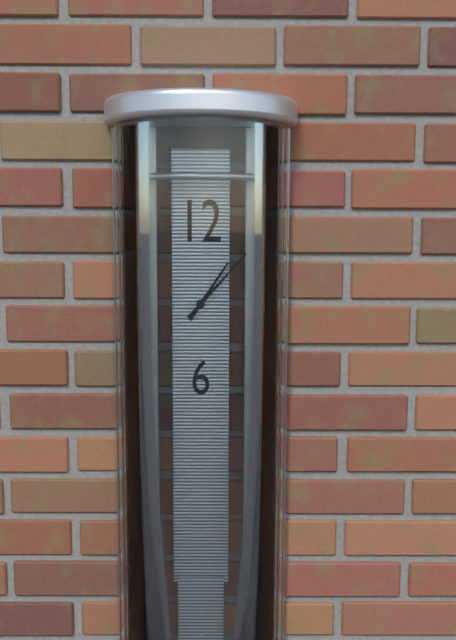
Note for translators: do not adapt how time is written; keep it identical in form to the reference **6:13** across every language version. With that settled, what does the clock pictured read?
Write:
**1:07**
